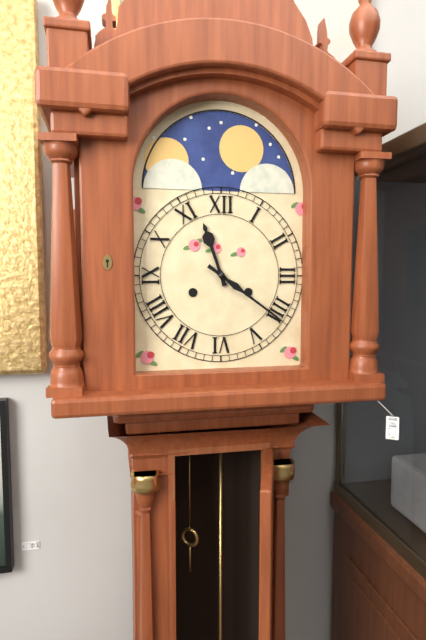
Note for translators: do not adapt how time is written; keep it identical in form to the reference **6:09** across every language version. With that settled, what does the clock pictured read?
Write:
**11:21**
